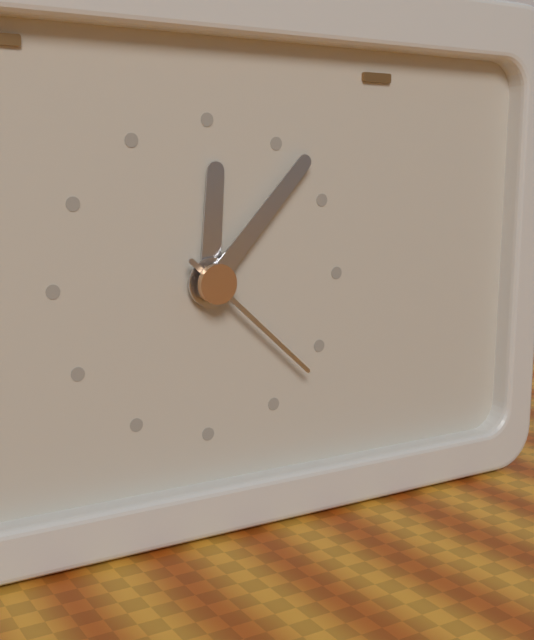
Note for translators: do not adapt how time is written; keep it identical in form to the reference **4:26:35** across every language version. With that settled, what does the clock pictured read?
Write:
**12:07:22**
